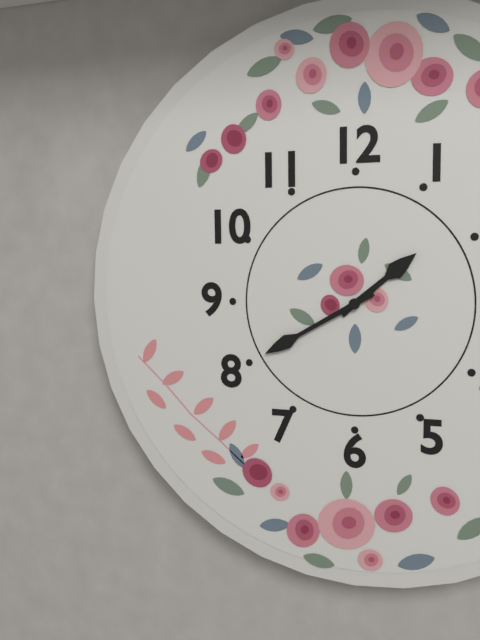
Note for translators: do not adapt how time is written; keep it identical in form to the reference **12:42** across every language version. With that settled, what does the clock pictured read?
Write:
**1:40**
